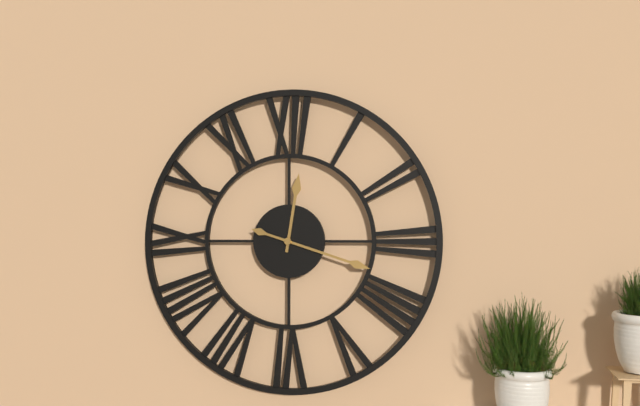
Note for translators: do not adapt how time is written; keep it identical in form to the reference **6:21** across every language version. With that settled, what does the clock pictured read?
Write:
**12:18**
